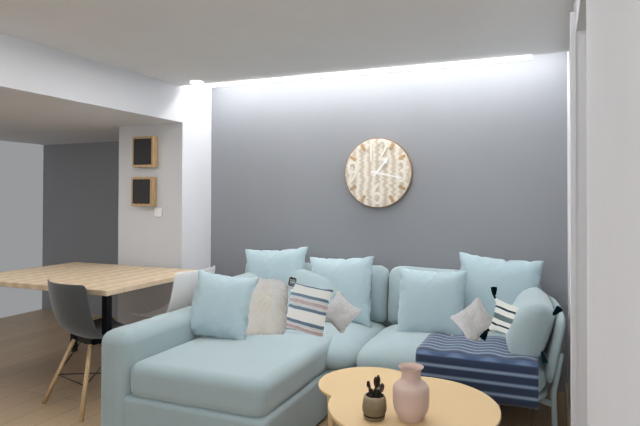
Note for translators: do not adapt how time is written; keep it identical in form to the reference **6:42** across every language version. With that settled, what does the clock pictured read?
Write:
**1:17**
